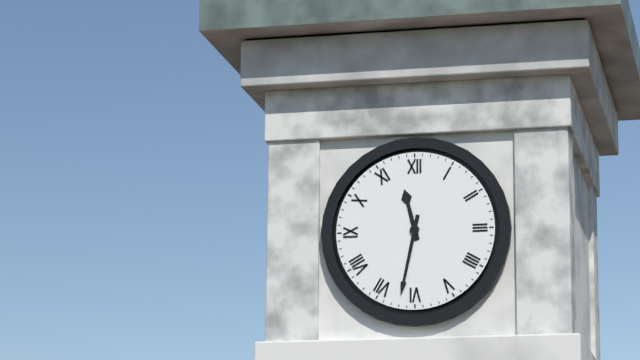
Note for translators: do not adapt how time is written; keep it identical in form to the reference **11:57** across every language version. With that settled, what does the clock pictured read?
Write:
**11:32**
